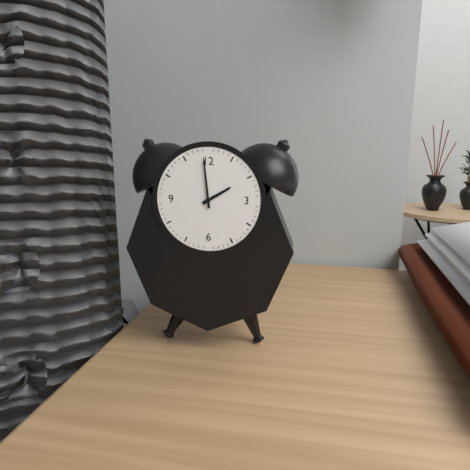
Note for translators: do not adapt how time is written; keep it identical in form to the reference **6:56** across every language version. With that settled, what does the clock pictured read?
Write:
**1:59**
